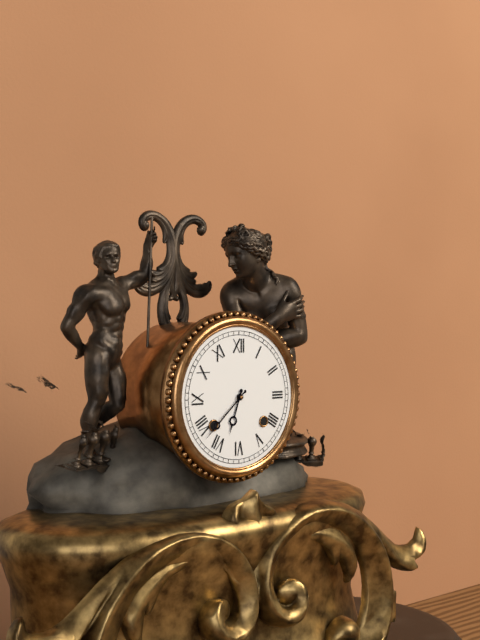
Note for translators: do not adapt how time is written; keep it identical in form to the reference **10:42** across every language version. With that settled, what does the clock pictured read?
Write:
**6:38**
